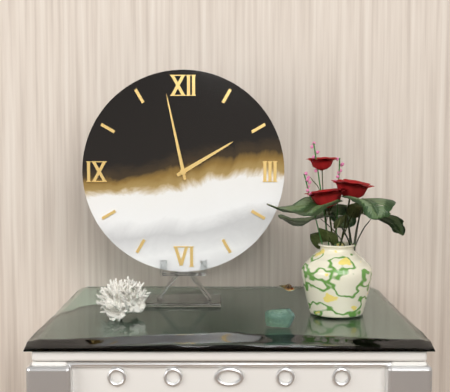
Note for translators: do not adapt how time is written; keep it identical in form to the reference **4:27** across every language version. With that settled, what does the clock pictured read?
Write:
**1:58**
